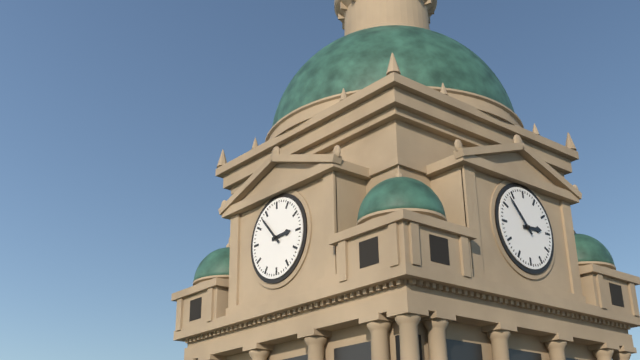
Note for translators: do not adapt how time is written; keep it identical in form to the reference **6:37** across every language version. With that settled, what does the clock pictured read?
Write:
**2:53**
